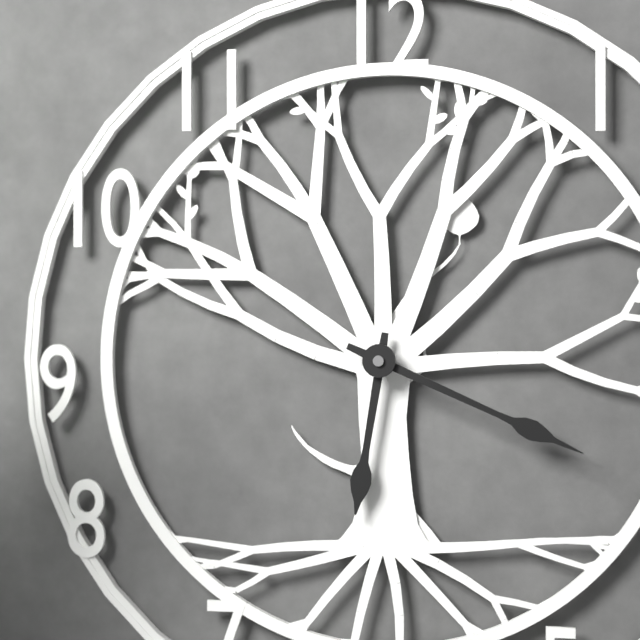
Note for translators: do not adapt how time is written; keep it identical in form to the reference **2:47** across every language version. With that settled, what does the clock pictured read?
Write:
**6:19**
